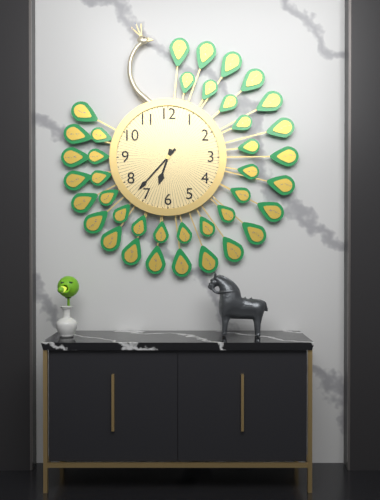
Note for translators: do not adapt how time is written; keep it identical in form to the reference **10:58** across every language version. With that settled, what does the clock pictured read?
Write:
**6:37**
